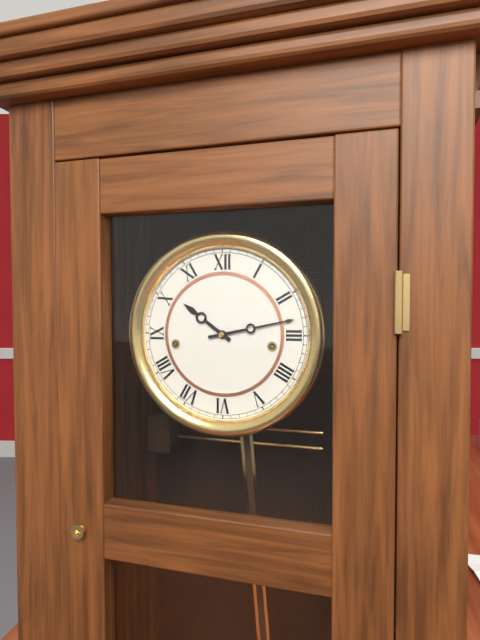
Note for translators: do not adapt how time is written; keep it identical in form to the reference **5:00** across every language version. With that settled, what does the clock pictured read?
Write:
**10:13**
